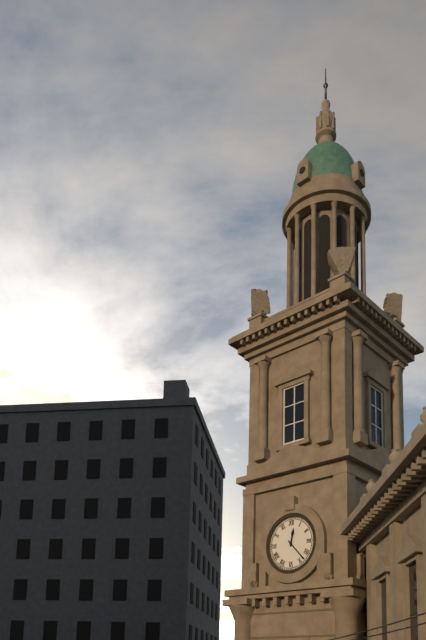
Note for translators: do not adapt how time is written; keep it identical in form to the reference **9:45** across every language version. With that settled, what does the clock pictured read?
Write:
**12:23**
